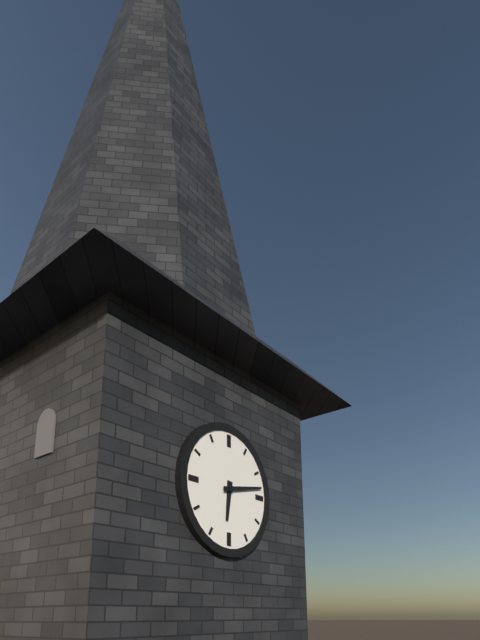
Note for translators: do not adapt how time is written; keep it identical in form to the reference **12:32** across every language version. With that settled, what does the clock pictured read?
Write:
**6:13**
